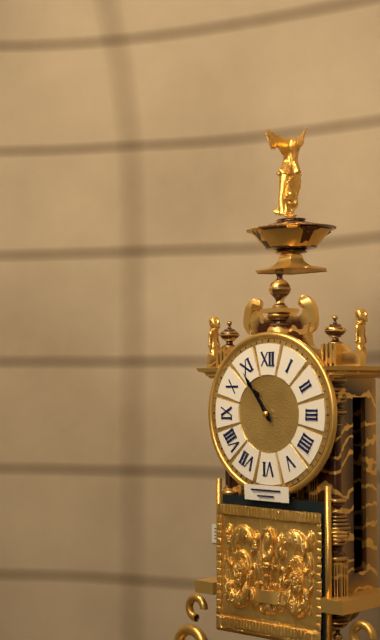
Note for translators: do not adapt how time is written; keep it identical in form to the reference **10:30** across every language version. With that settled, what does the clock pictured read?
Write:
**10:54**
